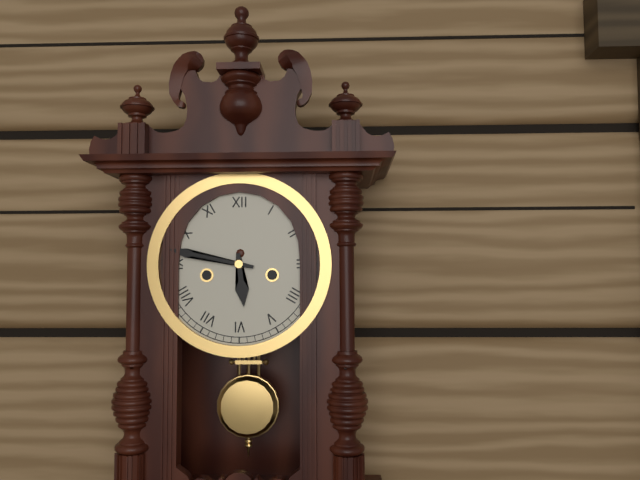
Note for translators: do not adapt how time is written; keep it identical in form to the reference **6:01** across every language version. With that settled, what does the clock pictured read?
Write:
**5:47**
